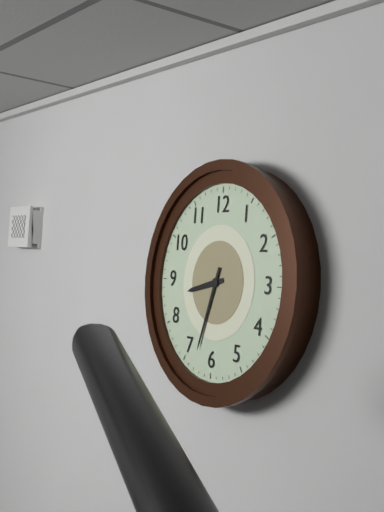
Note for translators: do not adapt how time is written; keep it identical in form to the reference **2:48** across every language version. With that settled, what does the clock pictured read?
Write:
**8:33**
